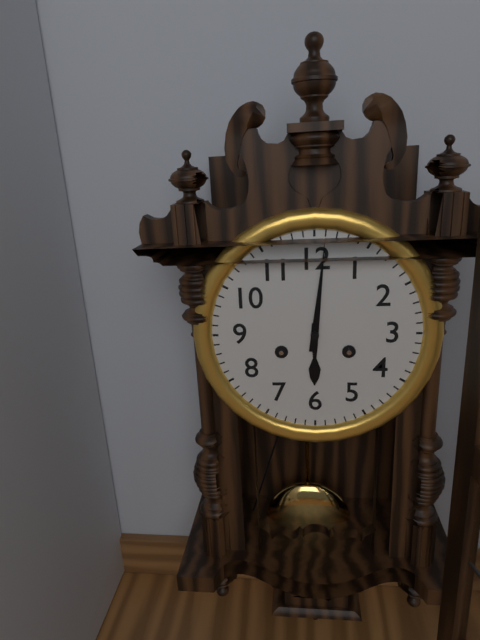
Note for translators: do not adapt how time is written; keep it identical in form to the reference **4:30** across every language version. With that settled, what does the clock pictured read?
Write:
**6:01**
